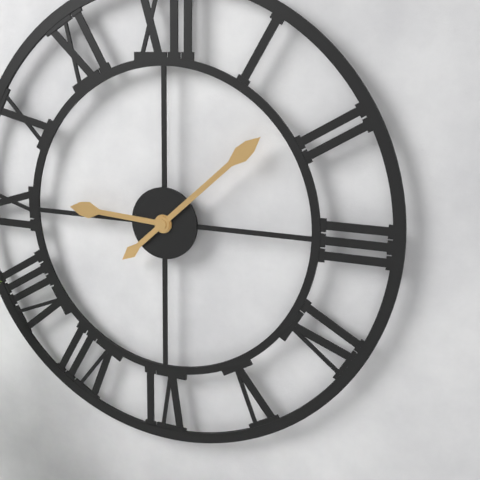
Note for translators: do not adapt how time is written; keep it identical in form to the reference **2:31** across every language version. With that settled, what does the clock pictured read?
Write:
**9:08**
